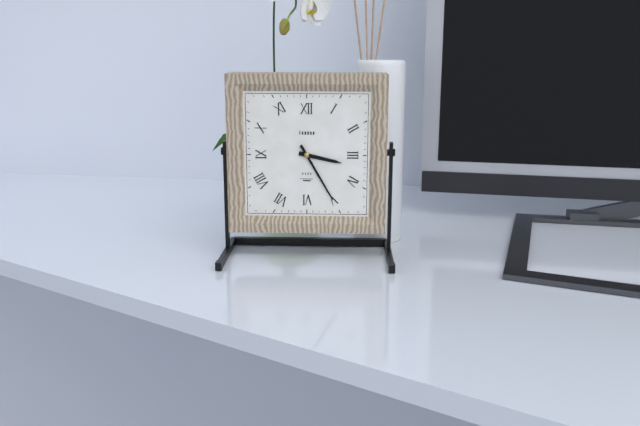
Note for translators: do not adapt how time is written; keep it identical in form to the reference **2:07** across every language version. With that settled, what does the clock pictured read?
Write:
**3:25**
